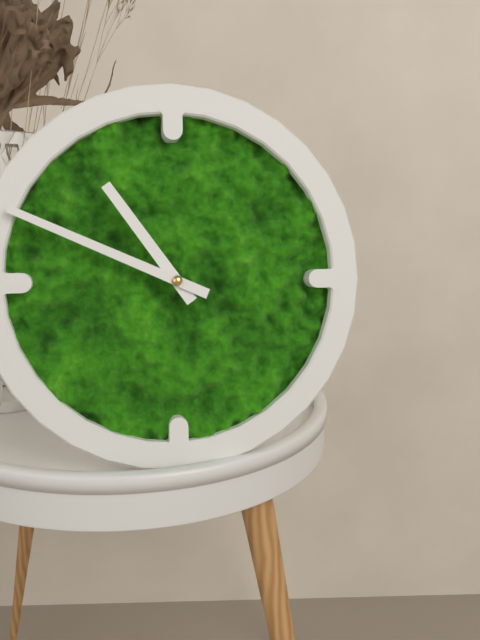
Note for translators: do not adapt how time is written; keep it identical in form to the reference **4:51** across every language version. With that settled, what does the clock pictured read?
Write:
**10:49**
